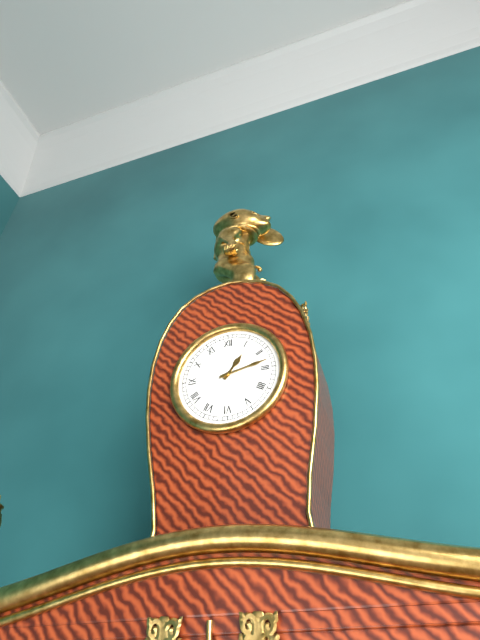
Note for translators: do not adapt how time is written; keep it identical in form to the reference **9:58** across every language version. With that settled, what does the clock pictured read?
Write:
**1:13**
